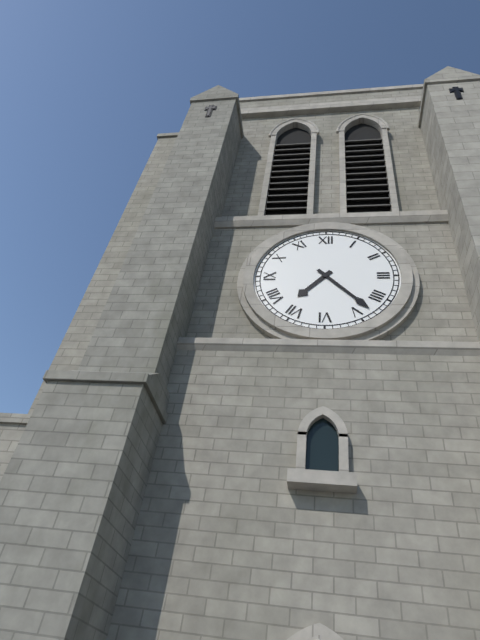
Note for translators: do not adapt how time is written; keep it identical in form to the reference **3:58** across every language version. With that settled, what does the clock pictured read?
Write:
**7:23**
